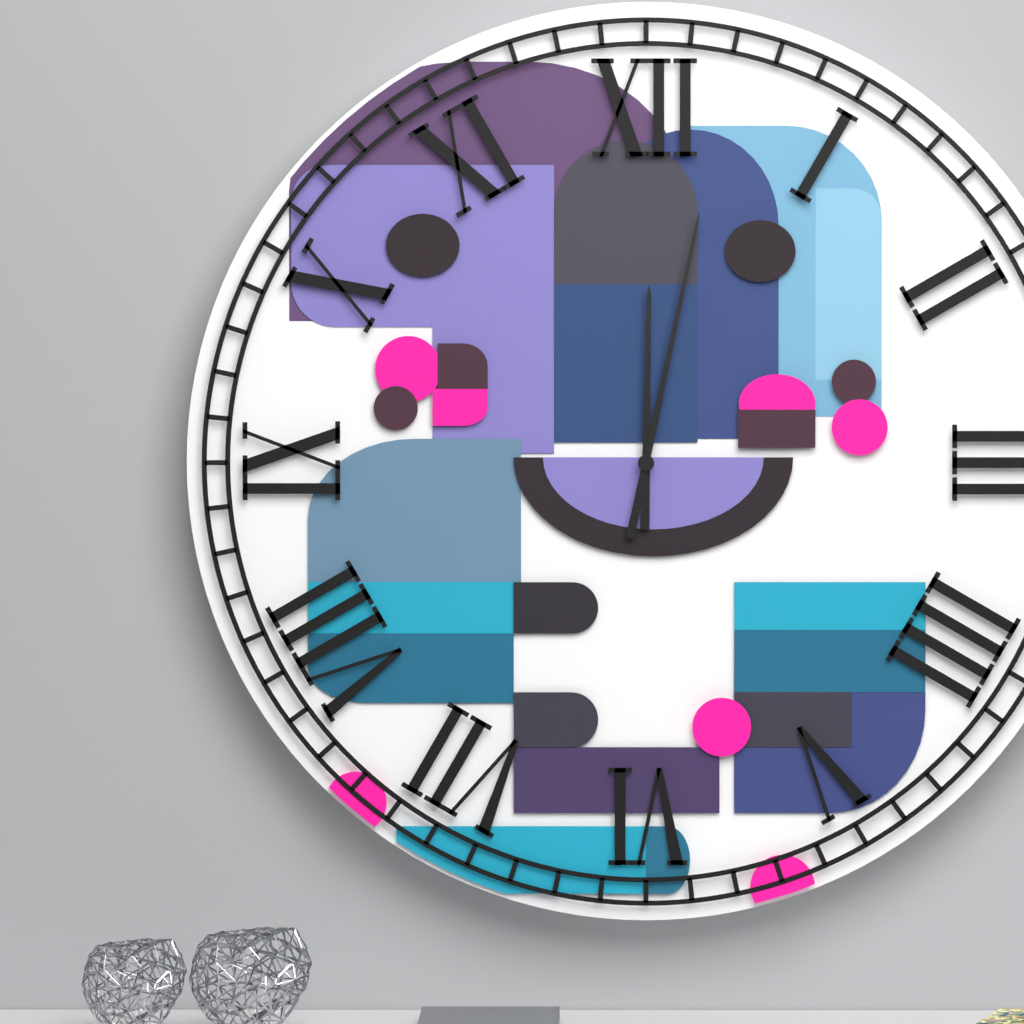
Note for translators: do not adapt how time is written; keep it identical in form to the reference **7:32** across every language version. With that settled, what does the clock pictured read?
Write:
**12:02**
